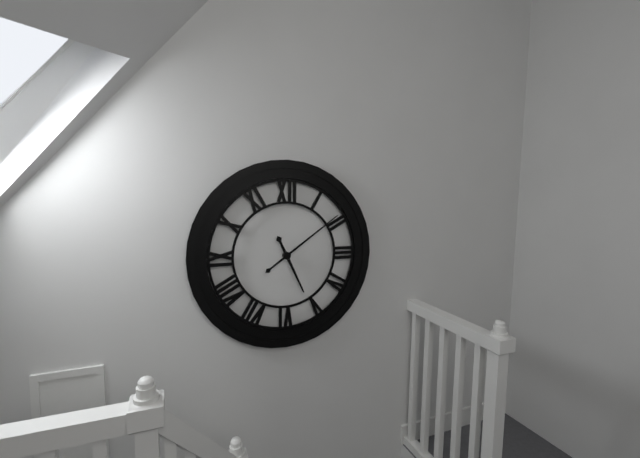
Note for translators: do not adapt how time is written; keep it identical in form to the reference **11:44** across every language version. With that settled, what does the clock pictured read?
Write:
**5:09**
